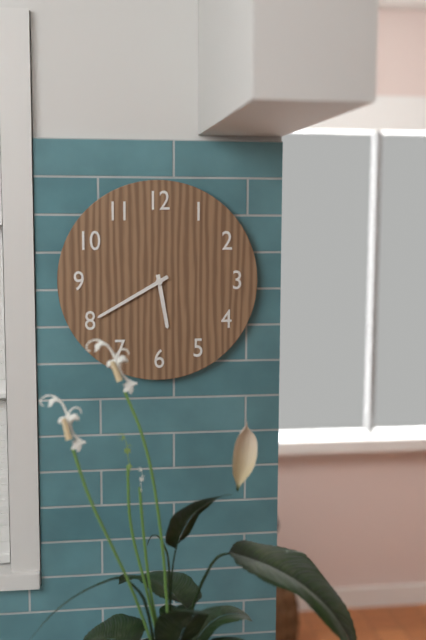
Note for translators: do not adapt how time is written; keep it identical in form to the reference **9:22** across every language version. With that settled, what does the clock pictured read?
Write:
**5:40**
